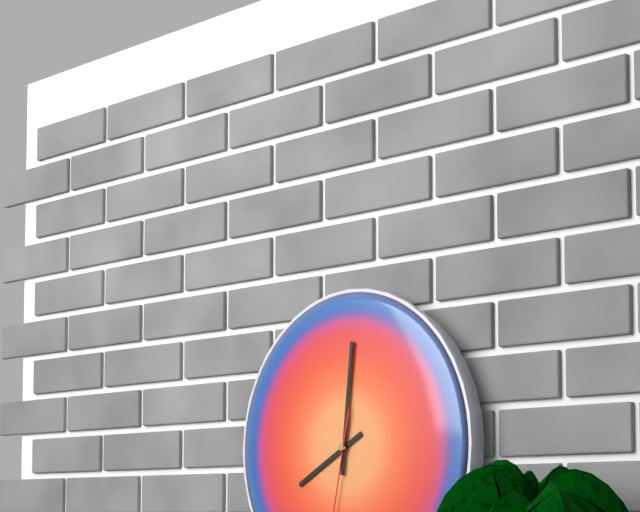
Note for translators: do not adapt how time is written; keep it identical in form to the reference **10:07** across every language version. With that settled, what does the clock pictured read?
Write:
**8:01**
